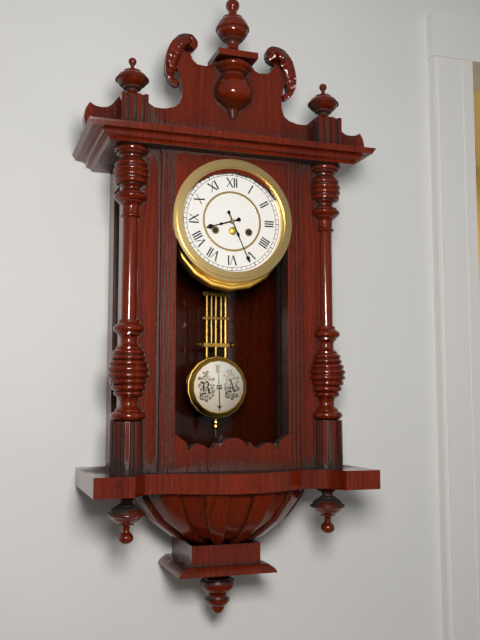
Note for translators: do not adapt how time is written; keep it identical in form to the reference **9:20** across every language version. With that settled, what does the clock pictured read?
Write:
**8:26**
